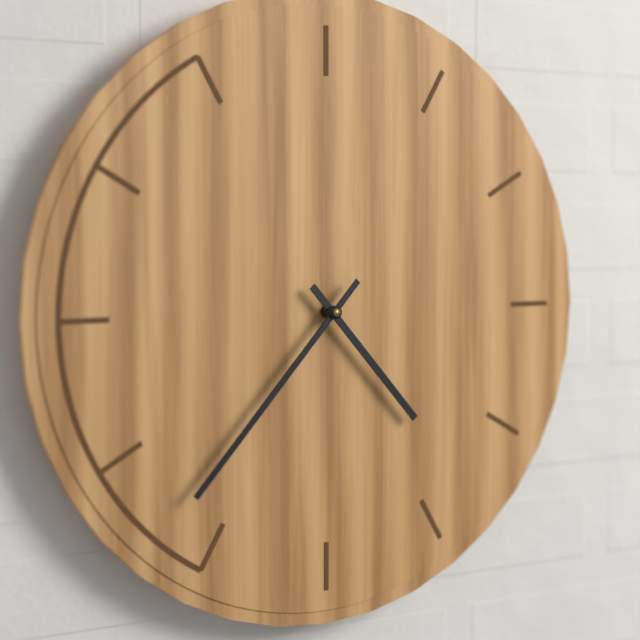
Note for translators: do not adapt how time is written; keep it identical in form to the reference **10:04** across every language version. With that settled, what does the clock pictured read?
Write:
**4:37**
